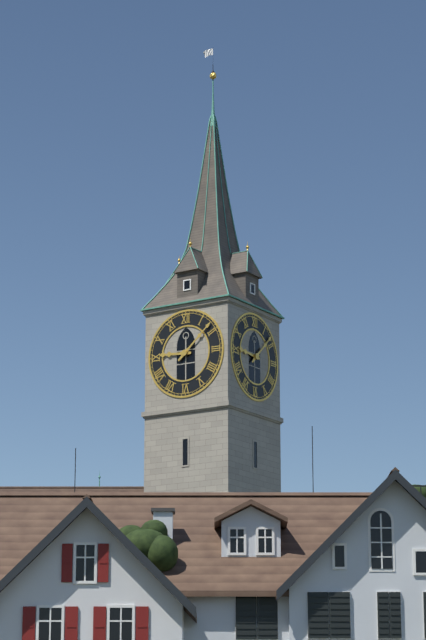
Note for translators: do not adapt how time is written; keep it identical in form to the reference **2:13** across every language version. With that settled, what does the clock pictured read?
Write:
**9:08**
